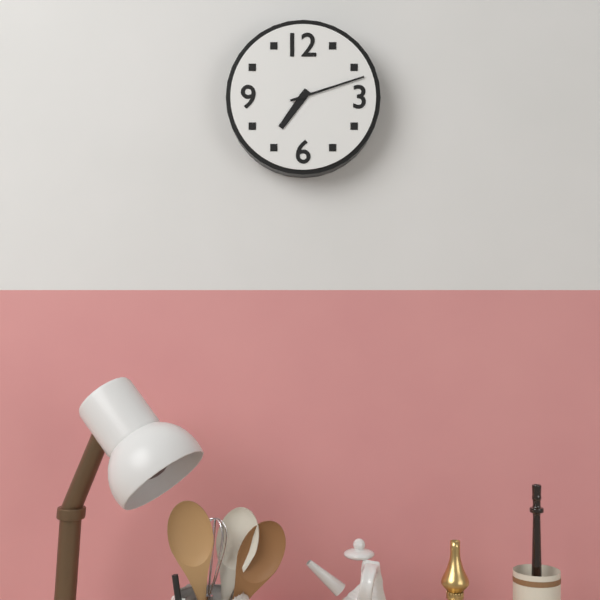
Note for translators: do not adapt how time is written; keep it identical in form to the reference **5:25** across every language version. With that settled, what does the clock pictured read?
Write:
**7:12**
